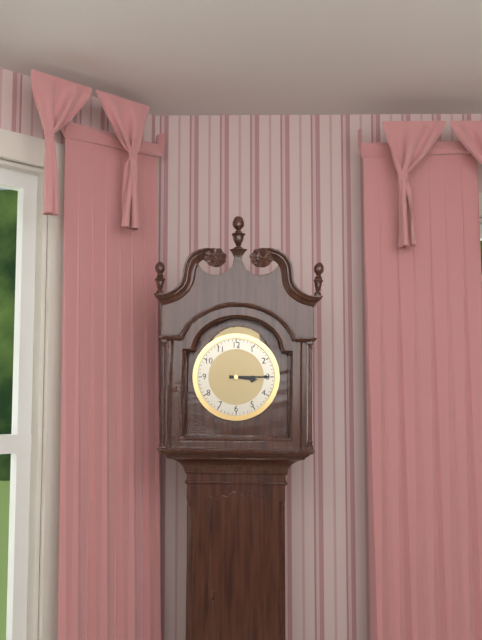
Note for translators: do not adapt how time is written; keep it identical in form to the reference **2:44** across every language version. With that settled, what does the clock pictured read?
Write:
**3:15**
